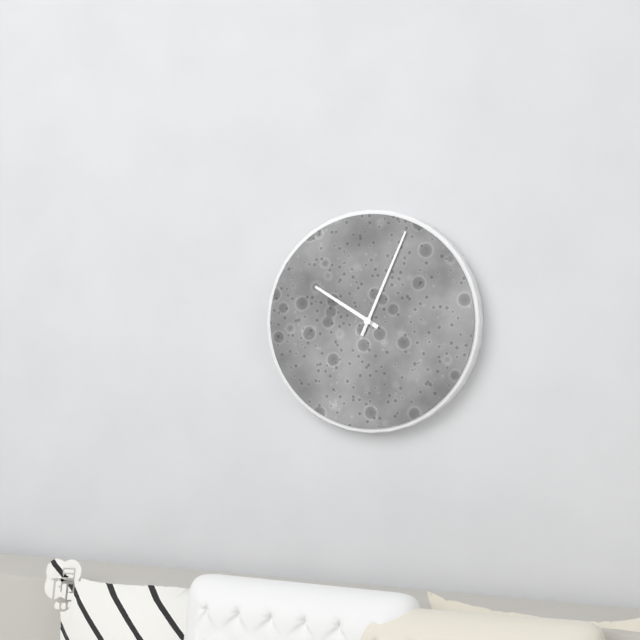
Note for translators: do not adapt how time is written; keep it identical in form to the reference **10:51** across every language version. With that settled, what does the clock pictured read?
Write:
**10:04**
